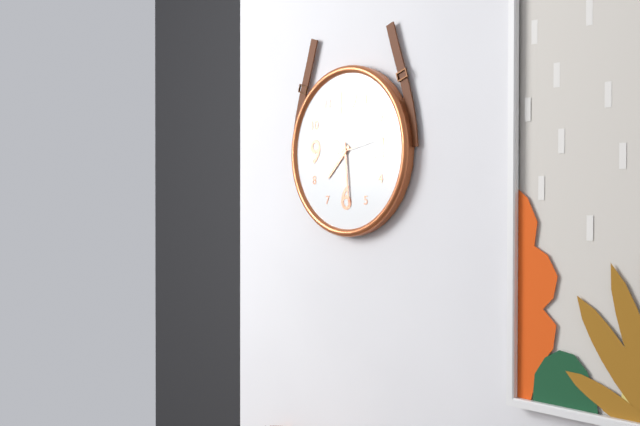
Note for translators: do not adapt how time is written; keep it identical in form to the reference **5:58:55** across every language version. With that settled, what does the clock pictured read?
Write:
**7:29:13**
